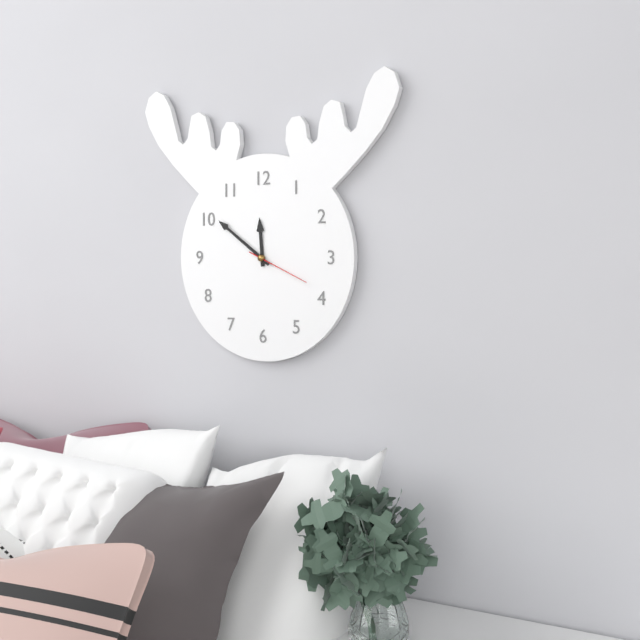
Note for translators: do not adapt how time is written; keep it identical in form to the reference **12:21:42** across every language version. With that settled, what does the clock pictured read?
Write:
**11:51:19**
